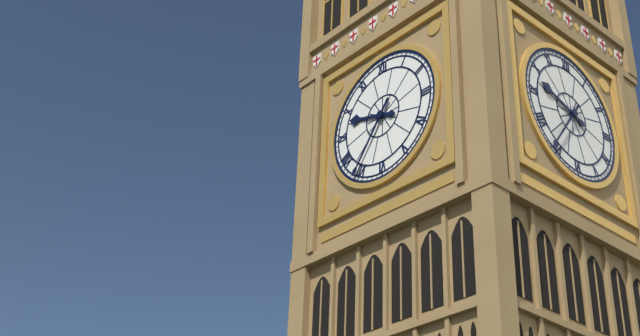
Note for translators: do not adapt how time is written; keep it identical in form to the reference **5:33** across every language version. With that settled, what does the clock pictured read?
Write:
**9:36**
